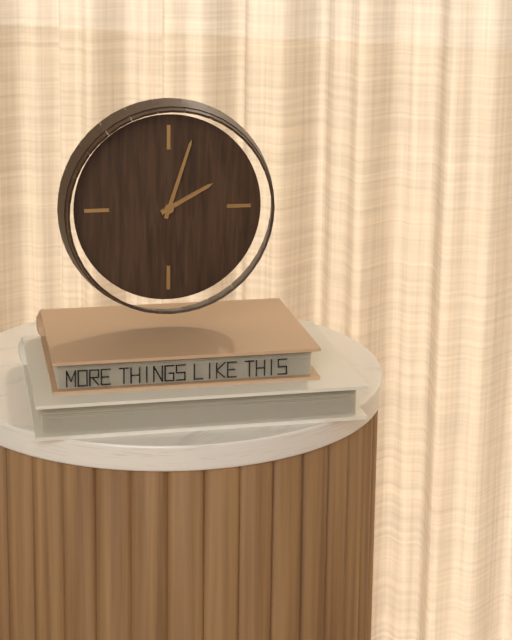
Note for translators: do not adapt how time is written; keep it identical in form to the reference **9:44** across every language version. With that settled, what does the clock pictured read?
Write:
**2:03**
